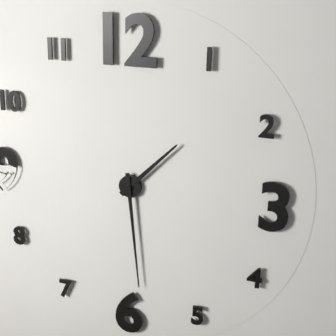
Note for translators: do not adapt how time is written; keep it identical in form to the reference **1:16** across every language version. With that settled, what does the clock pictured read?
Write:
**1:29**
